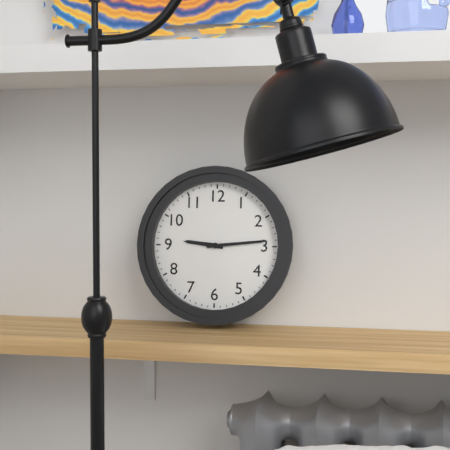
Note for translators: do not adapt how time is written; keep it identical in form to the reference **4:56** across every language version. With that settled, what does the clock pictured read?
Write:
**9:14**
